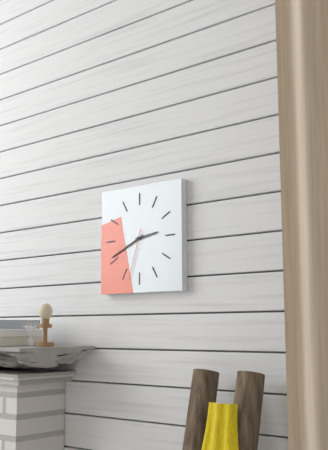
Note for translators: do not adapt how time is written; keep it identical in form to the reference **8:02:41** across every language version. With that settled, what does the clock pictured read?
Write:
**2:41:33**
